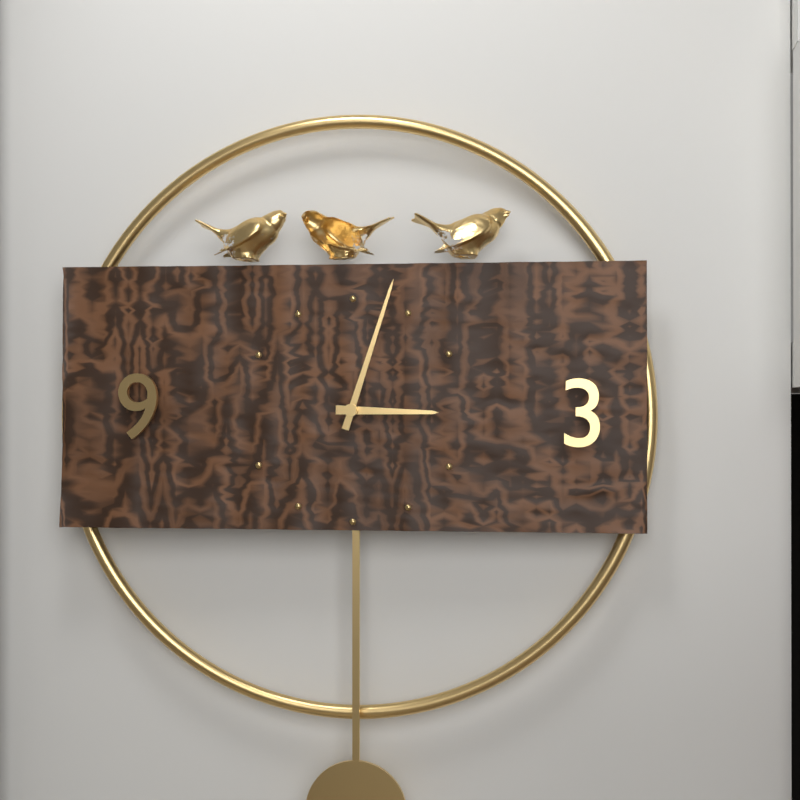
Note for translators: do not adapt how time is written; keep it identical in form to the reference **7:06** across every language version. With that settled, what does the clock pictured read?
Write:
**3:03**
